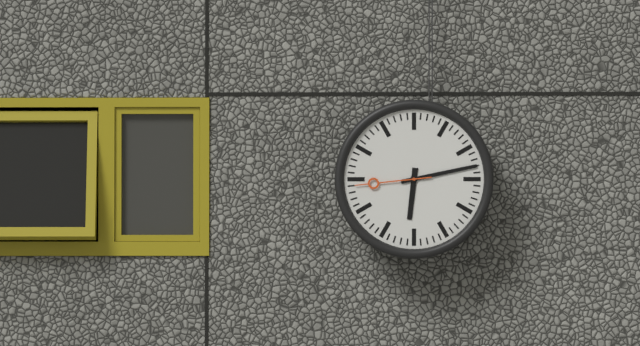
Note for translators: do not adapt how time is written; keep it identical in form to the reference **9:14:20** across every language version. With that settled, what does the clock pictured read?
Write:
**6:13:44**
